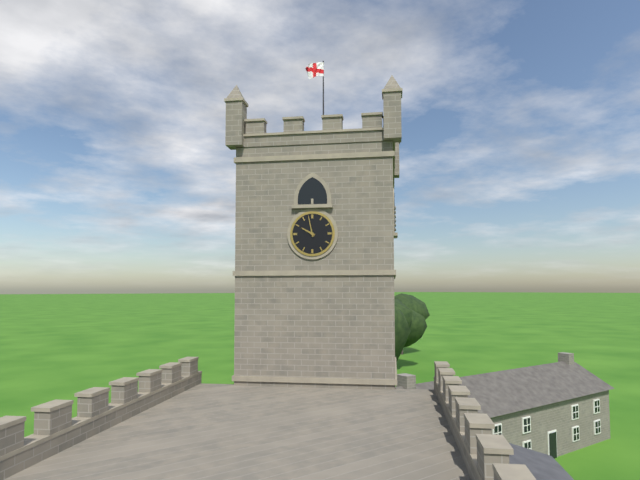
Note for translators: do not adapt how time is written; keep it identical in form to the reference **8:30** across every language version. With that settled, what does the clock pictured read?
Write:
**9:58**
